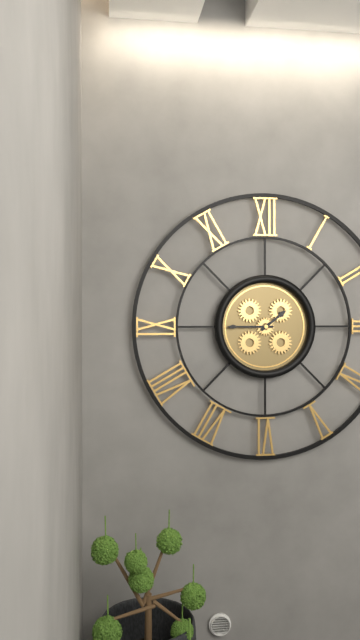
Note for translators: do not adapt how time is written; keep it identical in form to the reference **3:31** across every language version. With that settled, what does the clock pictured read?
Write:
**1:45**
